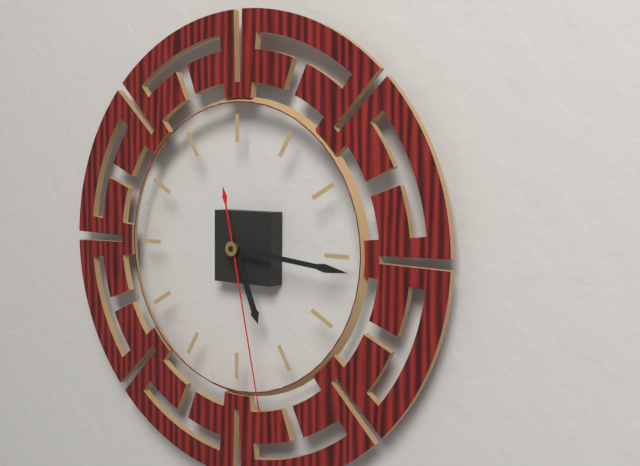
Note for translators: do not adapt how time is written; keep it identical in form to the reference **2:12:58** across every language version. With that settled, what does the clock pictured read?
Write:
**5:16:28**
